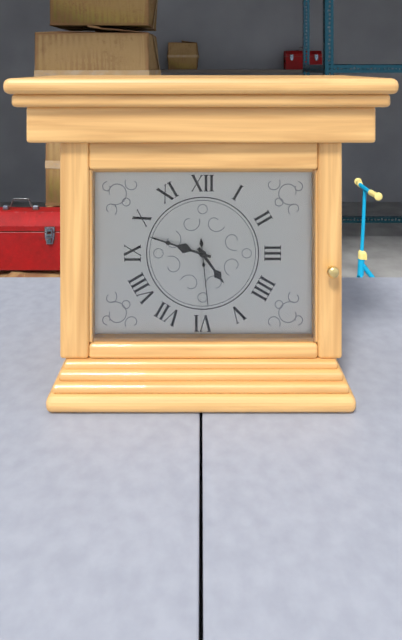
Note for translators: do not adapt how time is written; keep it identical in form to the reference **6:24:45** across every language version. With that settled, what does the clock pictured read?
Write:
**4:48:29**
